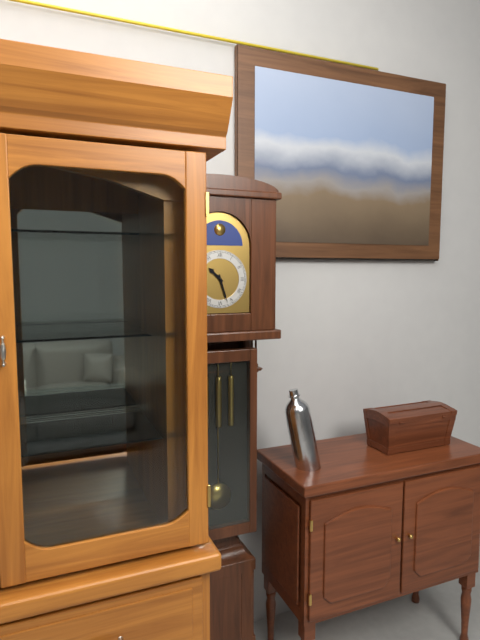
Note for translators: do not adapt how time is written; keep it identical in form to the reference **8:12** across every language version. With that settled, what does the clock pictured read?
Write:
**10:27**
